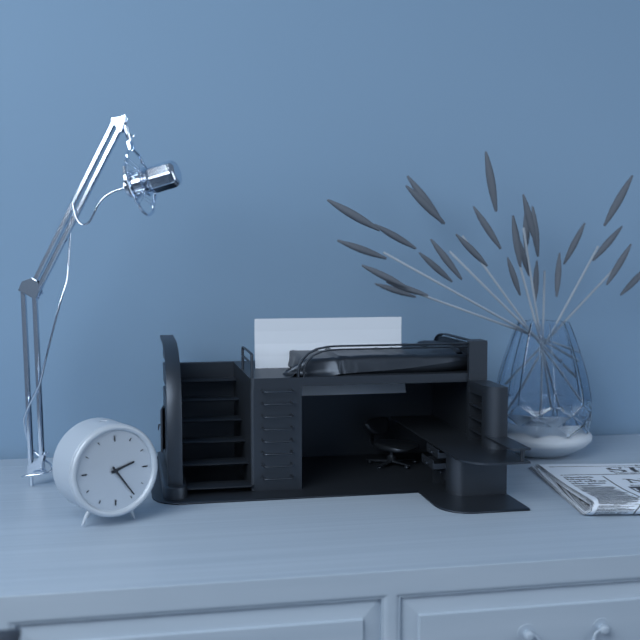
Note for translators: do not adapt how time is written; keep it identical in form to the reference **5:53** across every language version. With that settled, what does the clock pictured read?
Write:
**2:24**
